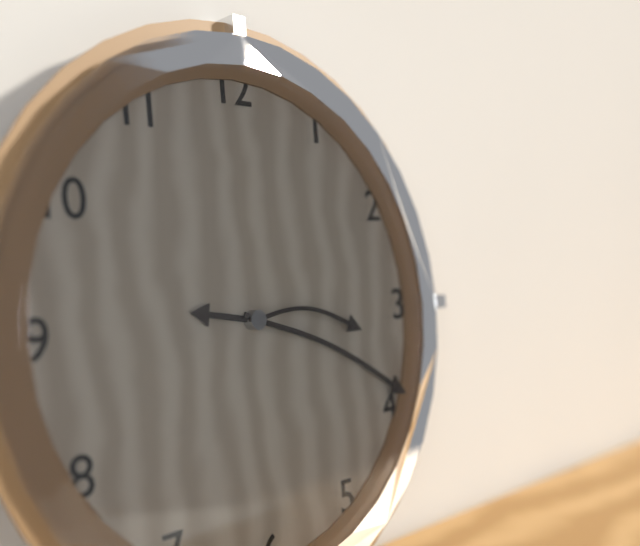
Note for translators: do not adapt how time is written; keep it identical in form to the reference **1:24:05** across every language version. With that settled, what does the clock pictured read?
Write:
**9:19:16**
